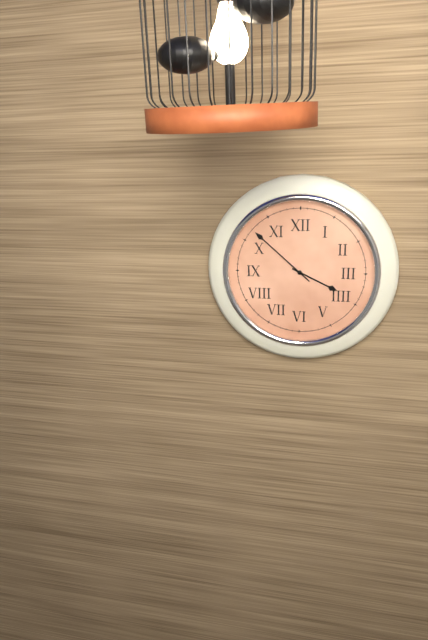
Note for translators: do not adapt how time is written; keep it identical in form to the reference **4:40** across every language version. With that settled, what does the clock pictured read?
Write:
**3:52**
